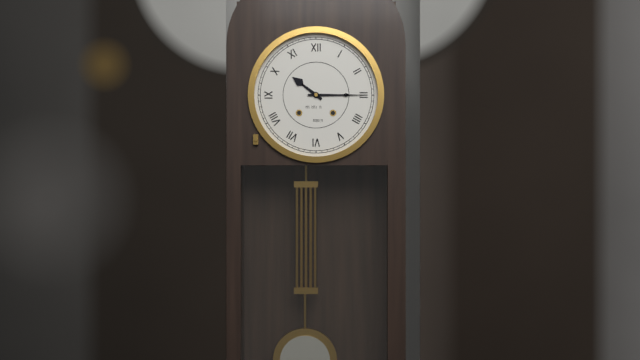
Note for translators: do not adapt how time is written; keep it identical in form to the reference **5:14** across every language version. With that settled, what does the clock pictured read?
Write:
**10:15**
